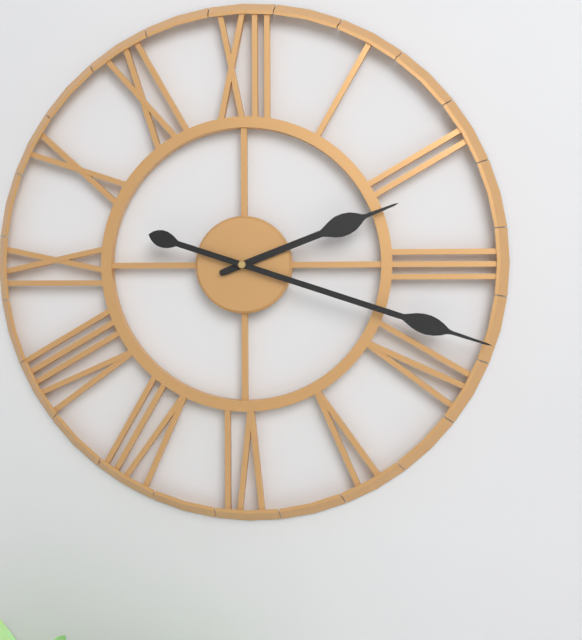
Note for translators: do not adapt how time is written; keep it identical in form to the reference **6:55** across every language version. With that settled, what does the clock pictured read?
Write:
**2:18**
